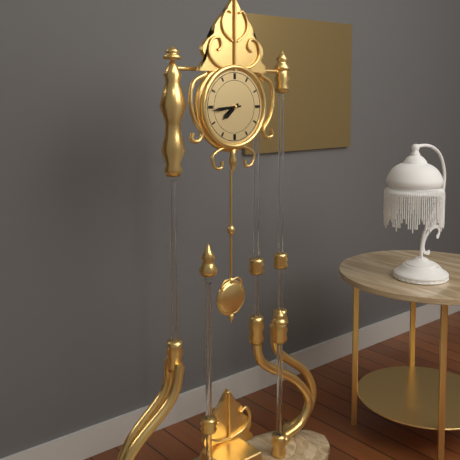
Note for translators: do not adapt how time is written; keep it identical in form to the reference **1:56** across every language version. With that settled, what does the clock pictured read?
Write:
**7:44**
